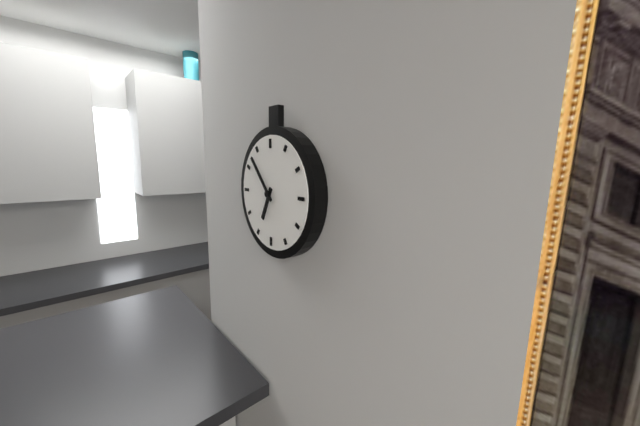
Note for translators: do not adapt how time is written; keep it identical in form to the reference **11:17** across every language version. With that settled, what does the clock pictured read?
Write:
**6:53**
